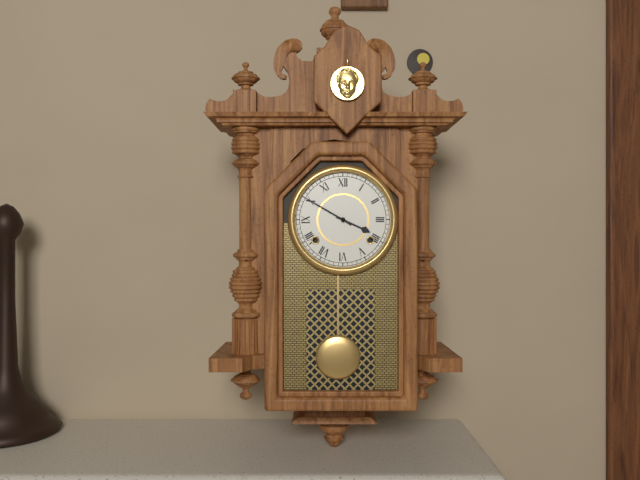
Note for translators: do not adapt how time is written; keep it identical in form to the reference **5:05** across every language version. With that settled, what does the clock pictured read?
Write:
**3:50**
